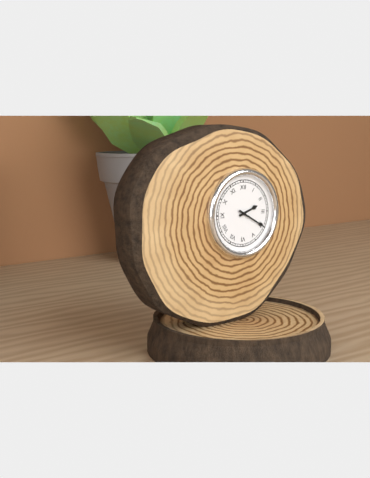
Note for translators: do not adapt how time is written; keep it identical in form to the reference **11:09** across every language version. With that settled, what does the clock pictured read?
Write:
**2:20**
